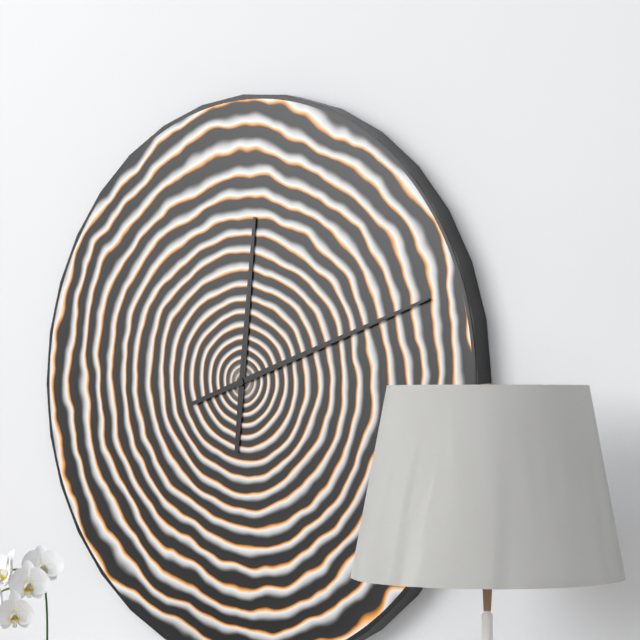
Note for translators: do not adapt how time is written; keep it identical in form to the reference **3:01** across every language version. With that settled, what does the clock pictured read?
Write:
**12:12**
